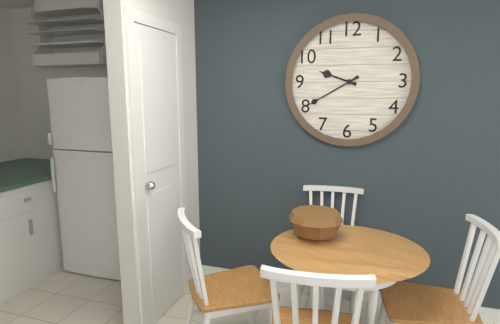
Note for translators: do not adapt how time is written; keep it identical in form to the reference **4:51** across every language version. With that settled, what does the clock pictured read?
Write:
**9:40**
